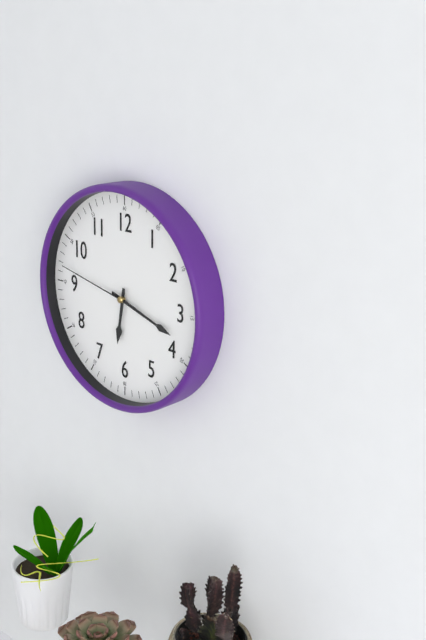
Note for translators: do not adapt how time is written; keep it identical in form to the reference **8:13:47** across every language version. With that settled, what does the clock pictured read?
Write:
**6:18:47**
